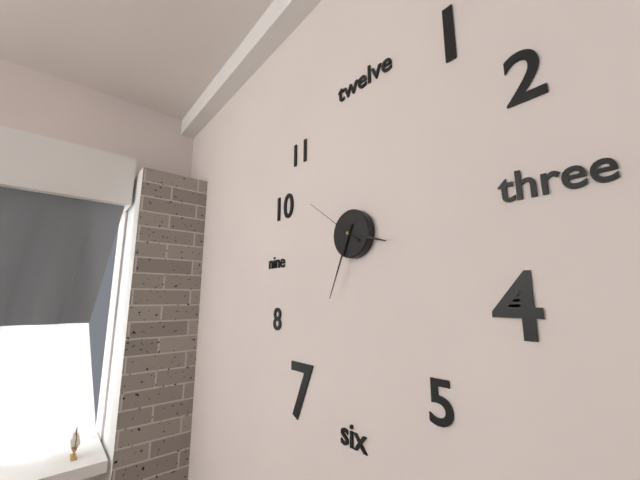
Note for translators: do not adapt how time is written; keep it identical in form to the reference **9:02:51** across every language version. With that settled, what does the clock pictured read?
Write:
**3:34:51**
